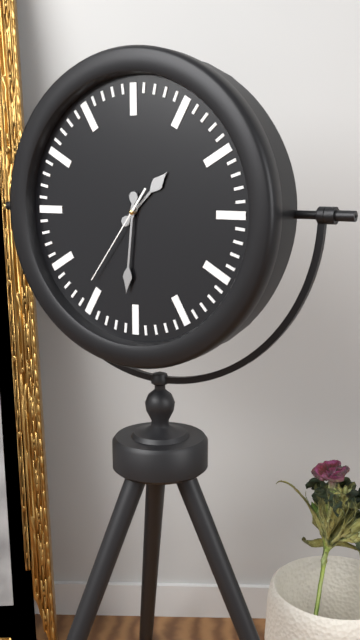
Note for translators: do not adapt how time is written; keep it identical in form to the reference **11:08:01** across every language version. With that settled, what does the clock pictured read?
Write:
**1:31:36**
